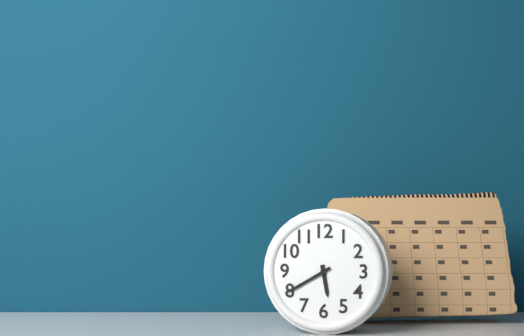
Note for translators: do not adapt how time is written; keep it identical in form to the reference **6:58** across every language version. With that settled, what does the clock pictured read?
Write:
**5:40**
